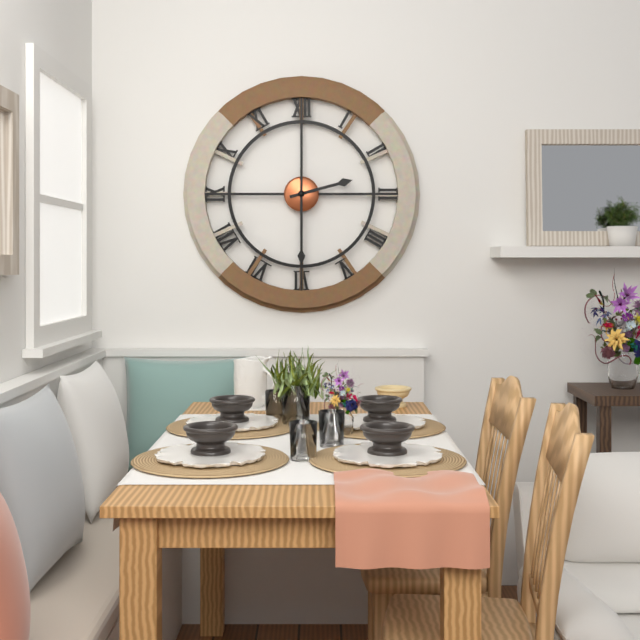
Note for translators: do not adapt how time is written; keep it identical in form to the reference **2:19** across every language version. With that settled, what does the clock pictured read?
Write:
**2:30**
